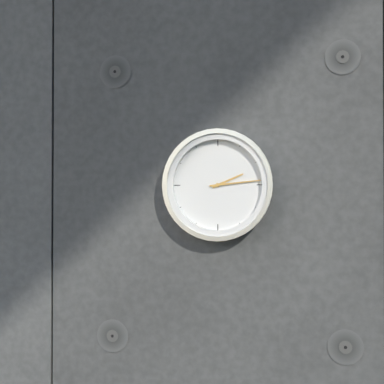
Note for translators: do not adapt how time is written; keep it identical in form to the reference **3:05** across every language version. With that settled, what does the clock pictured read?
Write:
**2:14**
